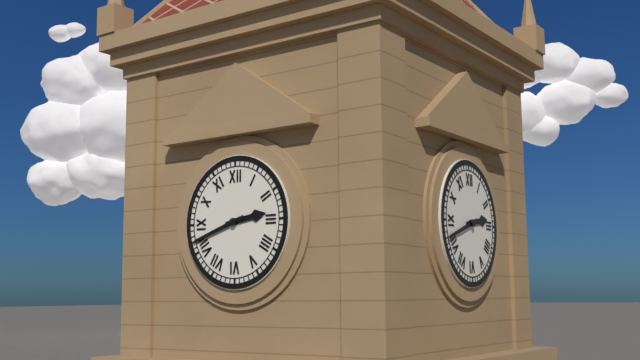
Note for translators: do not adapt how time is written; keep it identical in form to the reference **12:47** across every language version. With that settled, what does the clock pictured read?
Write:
**2:42**
